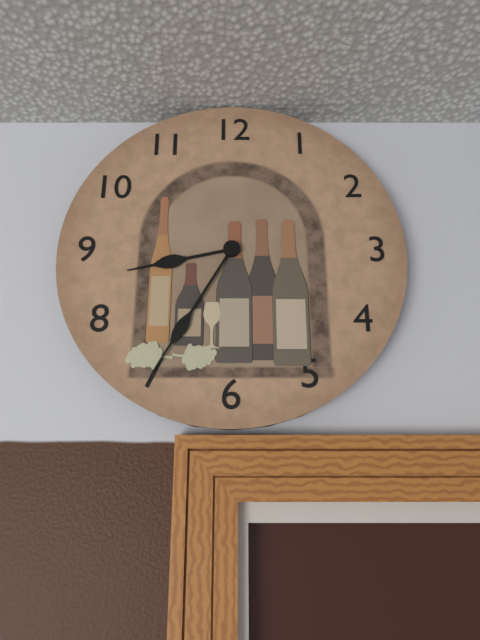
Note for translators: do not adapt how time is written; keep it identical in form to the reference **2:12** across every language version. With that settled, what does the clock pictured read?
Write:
**8:35**
